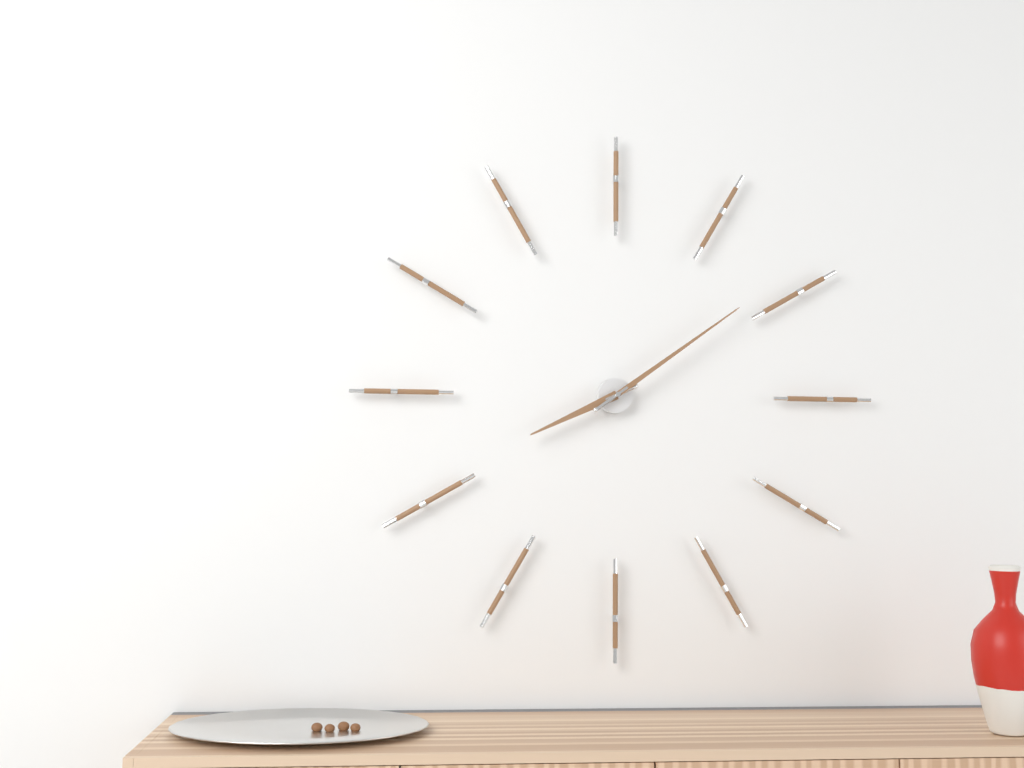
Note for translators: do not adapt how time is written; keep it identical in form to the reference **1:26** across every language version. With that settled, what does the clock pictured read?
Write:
**8:09**
